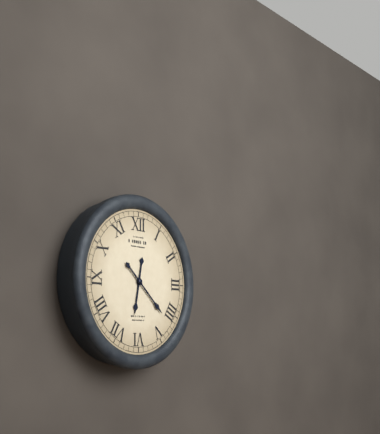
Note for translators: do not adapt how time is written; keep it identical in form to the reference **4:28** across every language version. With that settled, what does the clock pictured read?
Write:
**6:22**
